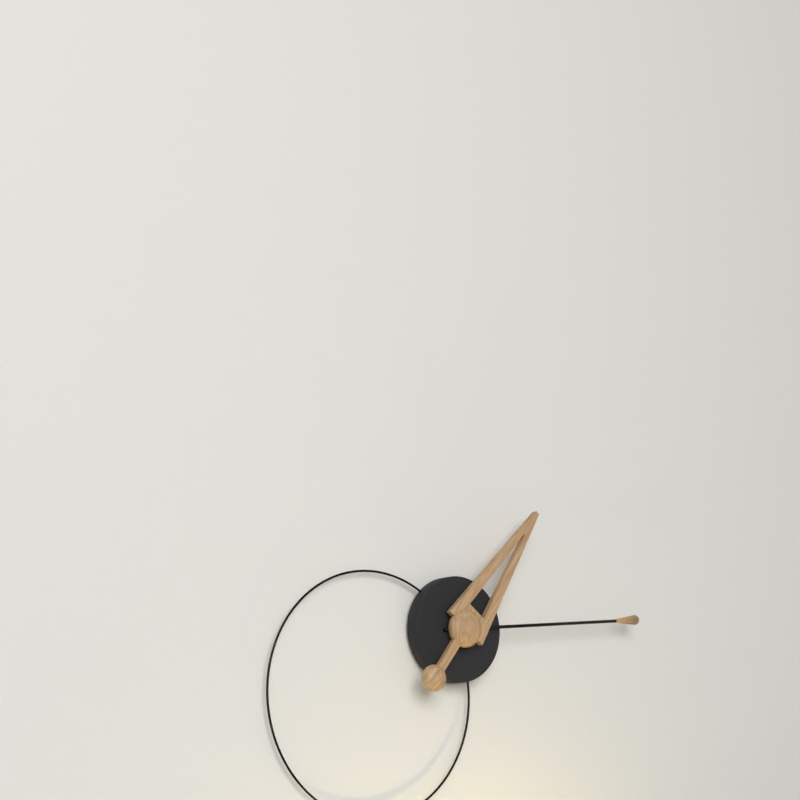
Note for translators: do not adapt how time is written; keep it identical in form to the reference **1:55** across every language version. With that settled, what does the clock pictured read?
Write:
**1:14**
